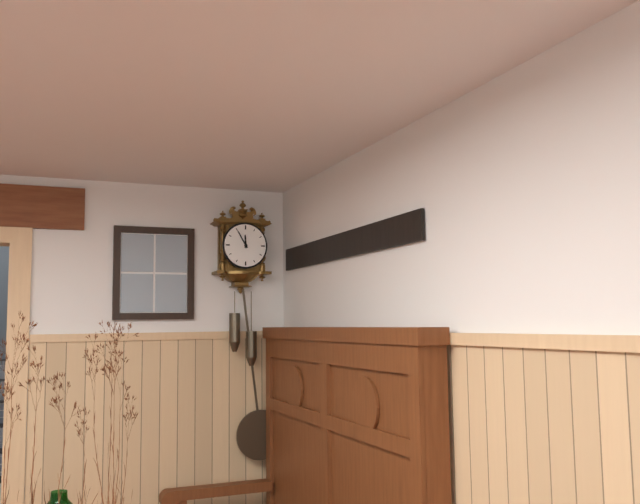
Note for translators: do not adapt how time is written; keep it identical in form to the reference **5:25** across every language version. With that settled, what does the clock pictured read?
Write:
**11:55**
